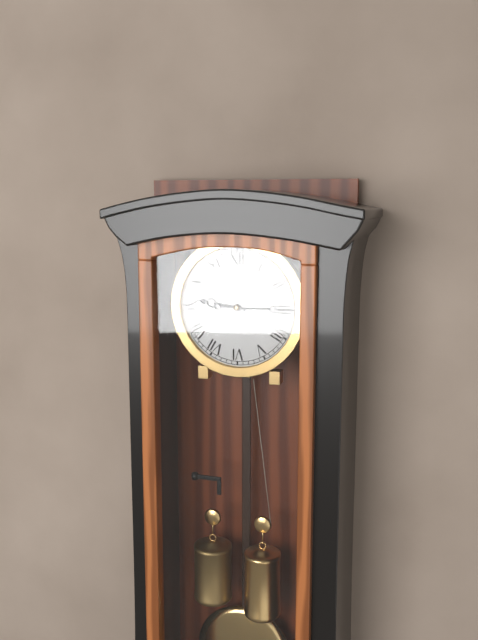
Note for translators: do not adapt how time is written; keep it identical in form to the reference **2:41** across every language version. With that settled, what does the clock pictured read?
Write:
**9:15**
